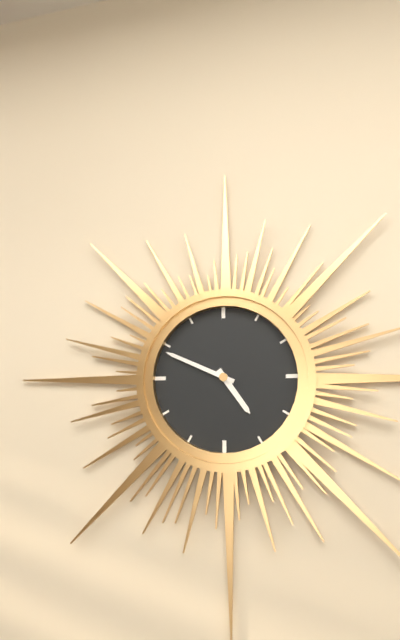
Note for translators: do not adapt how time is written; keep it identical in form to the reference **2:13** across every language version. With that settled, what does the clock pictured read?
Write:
**4:49**
